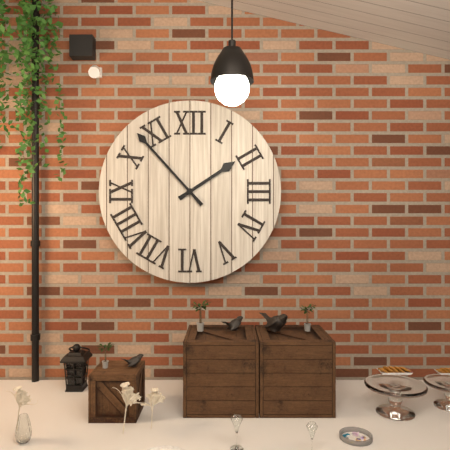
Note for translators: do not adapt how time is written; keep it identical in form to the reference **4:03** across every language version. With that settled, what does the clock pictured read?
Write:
**1:53**
